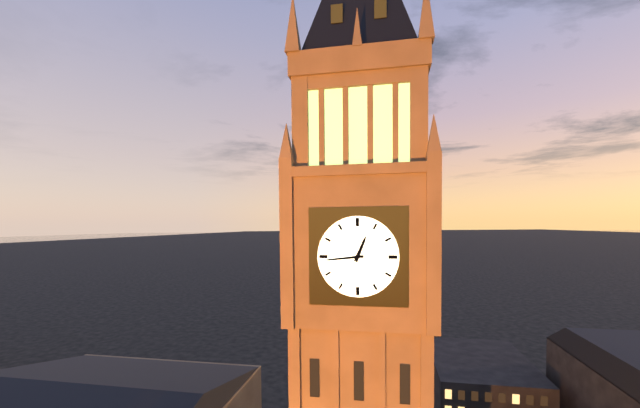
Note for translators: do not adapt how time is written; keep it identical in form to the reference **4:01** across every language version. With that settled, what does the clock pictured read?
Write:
**12:44**
